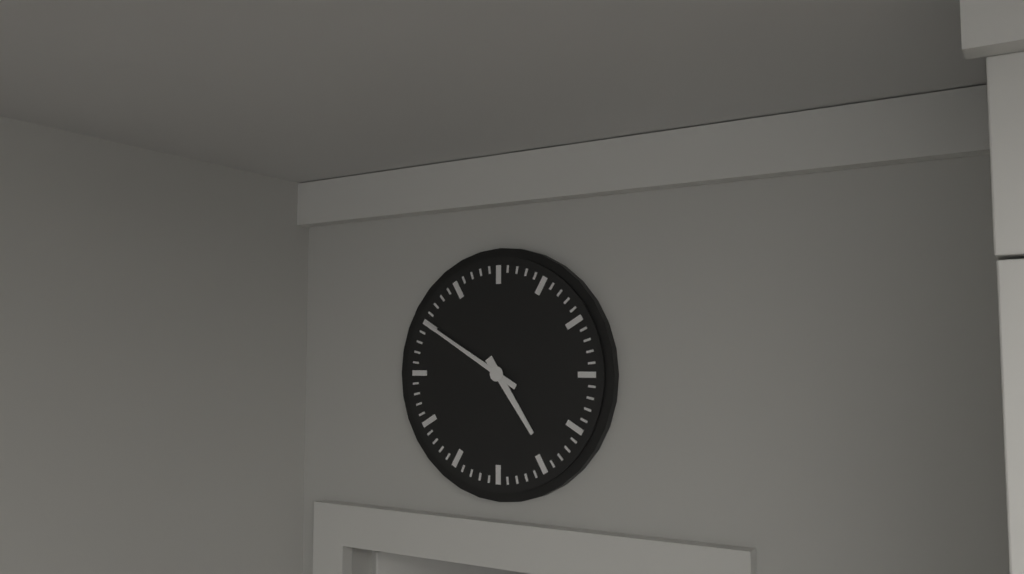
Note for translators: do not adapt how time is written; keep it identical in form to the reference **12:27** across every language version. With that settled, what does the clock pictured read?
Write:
**4:50**
